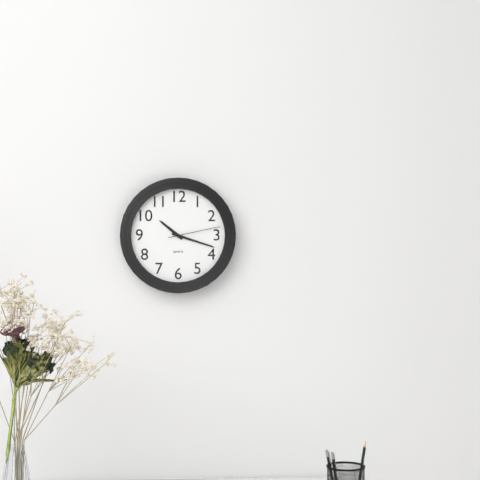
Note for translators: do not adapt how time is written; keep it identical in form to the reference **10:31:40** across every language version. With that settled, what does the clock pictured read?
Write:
**10:18:13**
